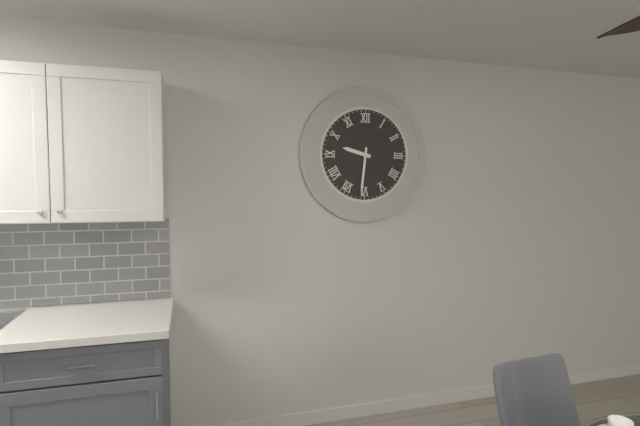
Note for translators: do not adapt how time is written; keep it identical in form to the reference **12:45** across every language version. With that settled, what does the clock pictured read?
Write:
**9:31**
